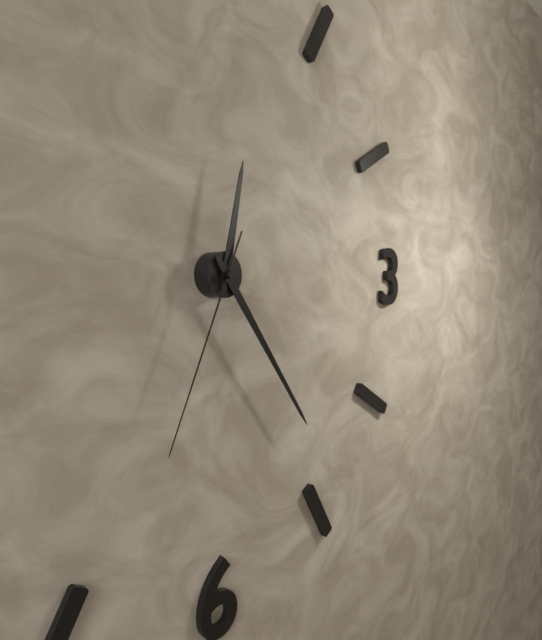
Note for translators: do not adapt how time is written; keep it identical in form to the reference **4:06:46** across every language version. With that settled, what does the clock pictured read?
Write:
**12:24:34**
